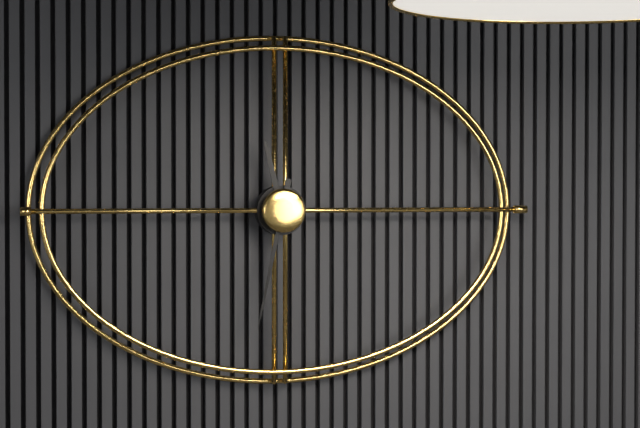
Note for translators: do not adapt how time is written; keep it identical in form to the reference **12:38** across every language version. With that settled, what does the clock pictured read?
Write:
**11:32**
